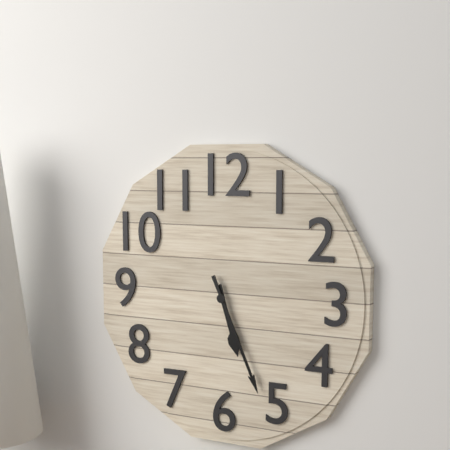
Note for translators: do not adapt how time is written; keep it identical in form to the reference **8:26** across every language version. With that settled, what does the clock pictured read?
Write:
**5:26**
